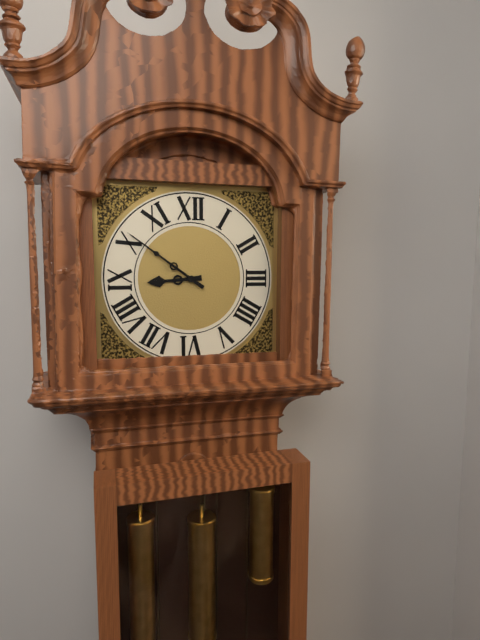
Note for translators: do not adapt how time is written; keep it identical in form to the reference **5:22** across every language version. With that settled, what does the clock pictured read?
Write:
**8:51**
